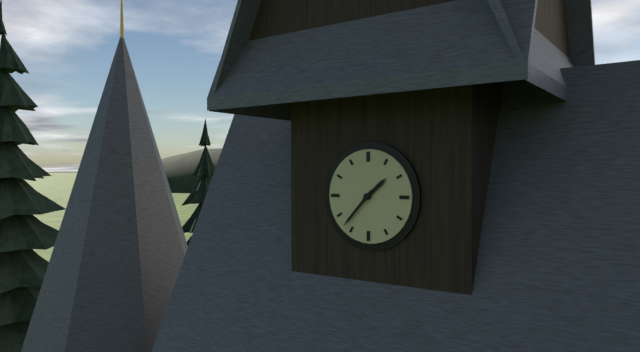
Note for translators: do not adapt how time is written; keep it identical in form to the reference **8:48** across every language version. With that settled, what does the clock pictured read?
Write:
**1:37**
